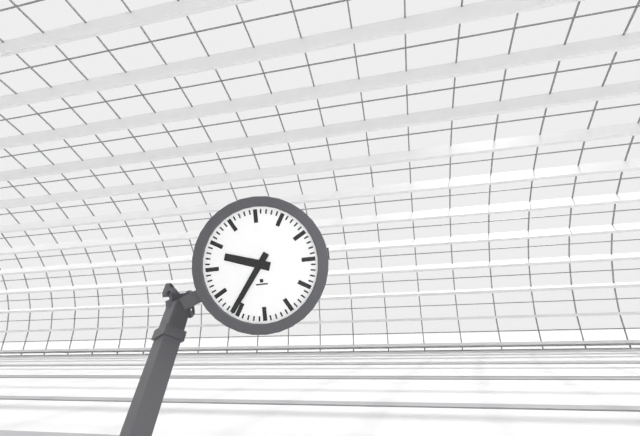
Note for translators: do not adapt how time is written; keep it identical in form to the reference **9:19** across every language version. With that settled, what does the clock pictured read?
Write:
**9:36**
